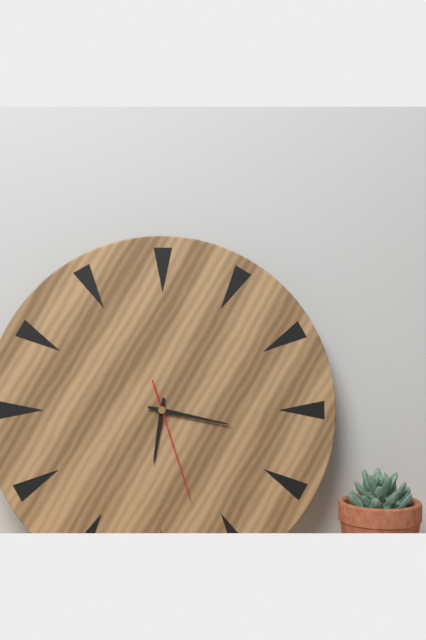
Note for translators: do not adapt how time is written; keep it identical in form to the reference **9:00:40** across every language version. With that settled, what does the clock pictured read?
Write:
**6:17:27**
